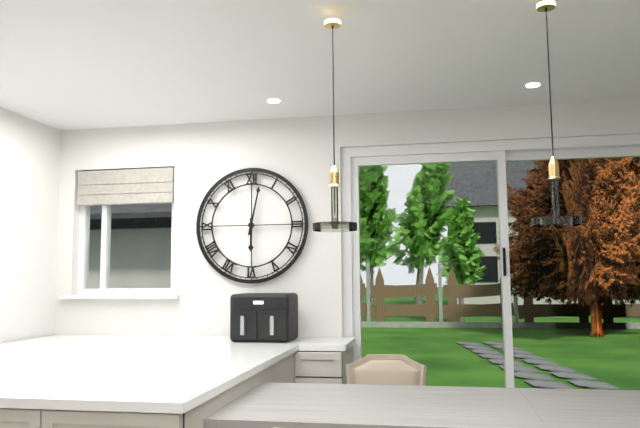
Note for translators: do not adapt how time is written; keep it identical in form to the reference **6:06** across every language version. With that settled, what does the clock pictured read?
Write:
**6:02**
